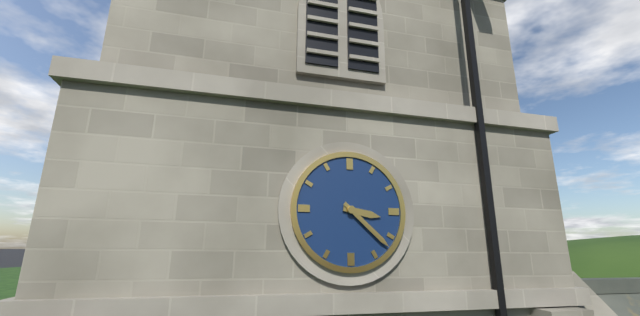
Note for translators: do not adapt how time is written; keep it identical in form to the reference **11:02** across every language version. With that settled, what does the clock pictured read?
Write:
**3:22**
